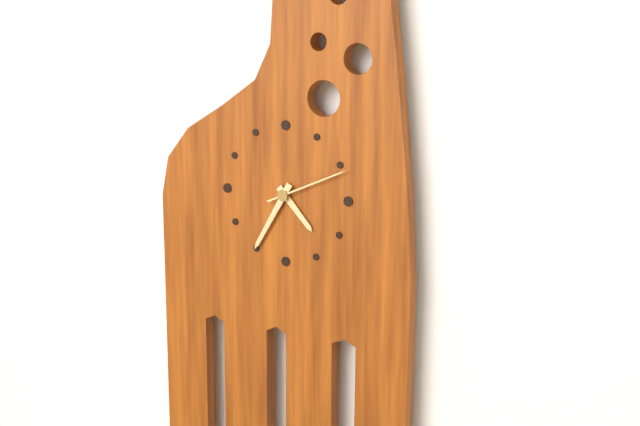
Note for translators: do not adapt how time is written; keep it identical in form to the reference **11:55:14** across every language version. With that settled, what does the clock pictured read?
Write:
**4:35:11**
